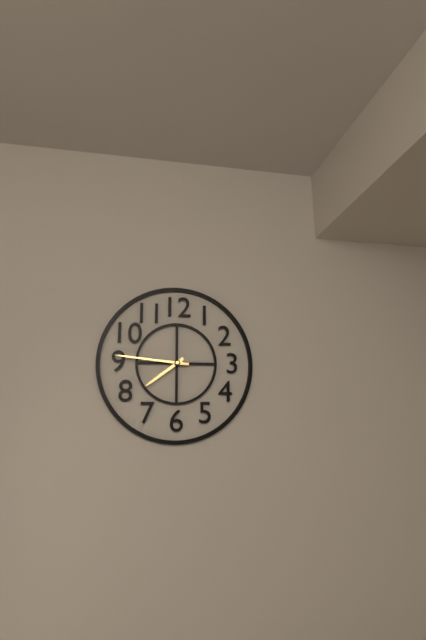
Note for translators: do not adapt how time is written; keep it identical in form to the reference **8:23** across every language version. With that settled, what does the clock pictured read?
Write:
**7:46**
